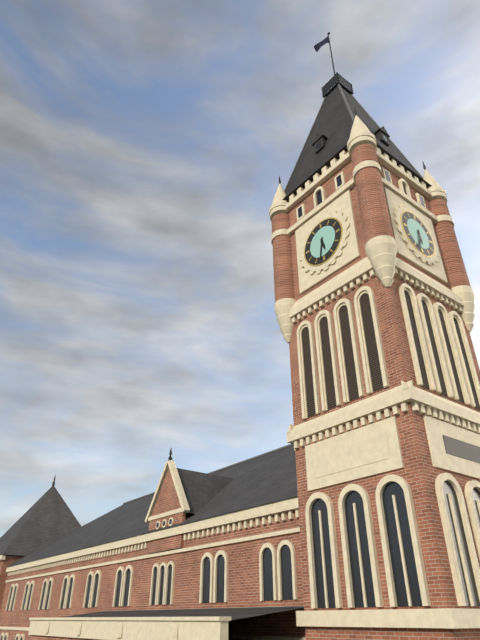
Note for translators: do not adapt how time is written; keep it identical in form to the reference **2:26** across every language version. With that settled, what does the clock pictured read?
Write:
**5:32**
